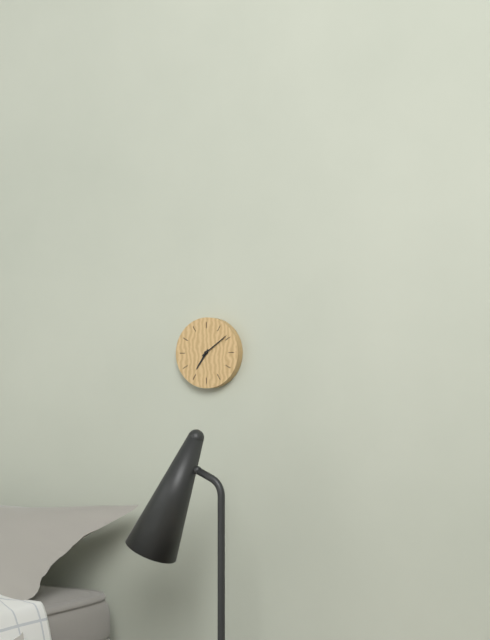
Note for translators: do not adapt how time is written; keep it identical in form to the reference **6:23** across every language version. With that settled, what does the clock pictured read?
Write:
**7:09**
